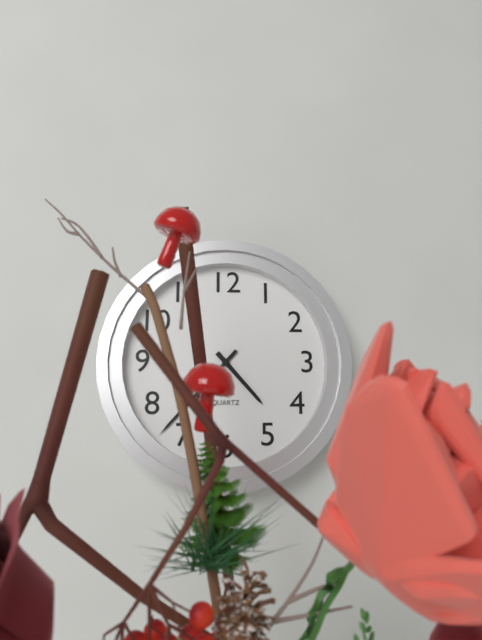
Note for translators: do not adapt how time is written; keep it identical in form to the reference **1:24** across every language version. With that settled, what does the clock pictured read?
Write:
**4:37**
